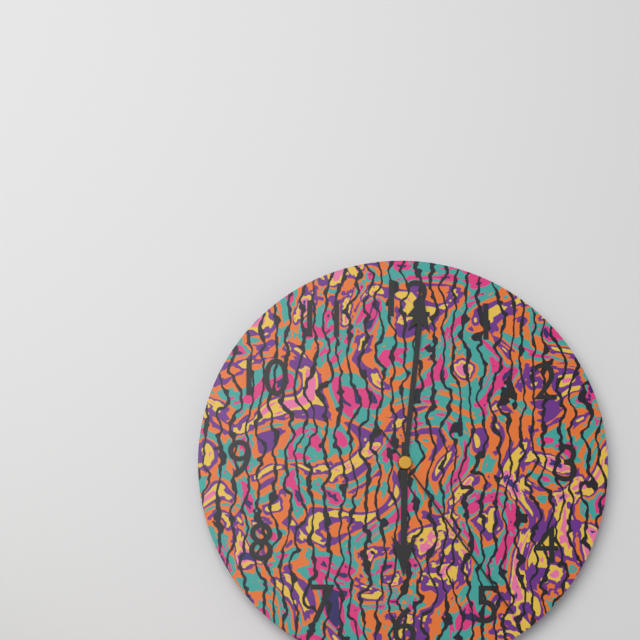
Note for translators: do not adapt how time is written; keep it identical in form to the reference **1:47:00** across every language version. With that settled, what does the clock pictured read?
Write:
**6:01:24**
